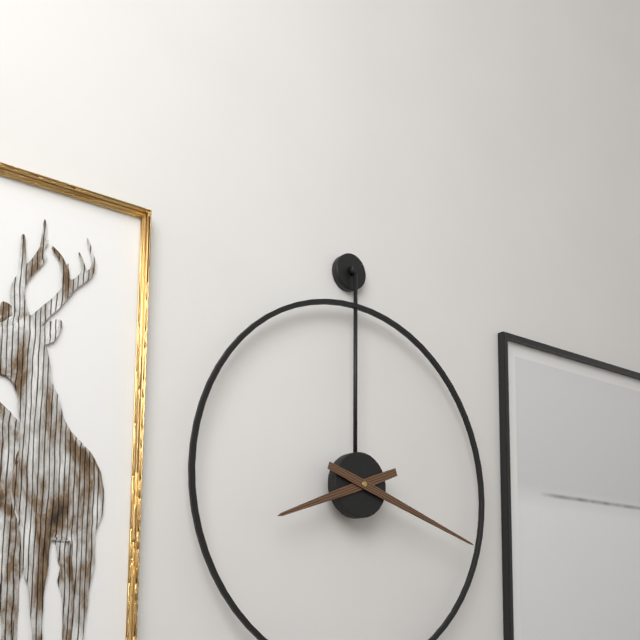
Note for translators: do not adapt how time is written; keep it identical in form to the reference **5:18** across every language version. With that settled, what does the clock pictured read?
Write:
**8:18**
